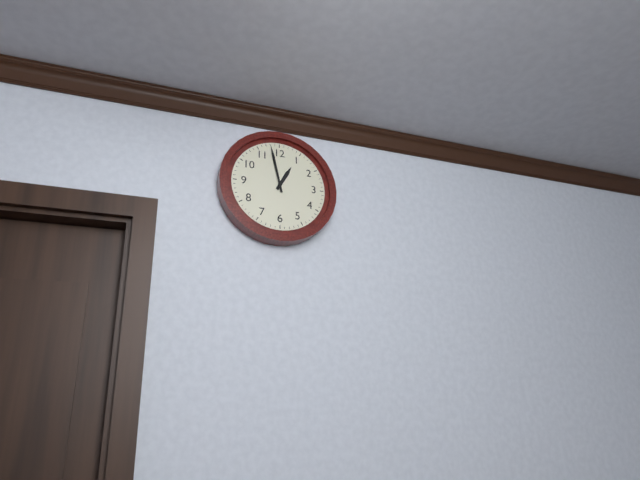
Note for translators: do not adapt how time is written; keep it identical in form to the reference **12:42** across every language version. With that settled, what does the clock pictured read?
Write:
**12:58**
